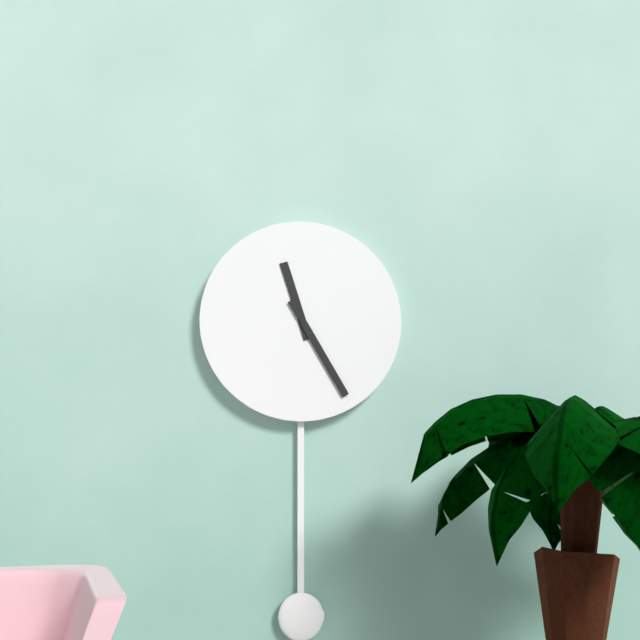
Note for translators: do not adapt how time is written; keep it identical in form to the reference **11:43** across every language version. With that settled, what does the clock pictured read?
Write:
**11:25**
